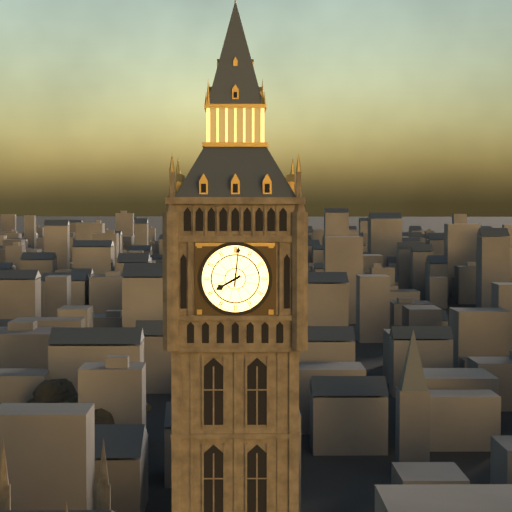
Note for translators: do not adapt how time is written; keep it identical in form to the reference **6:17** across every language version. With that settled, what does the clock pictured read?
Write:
**8:01**
